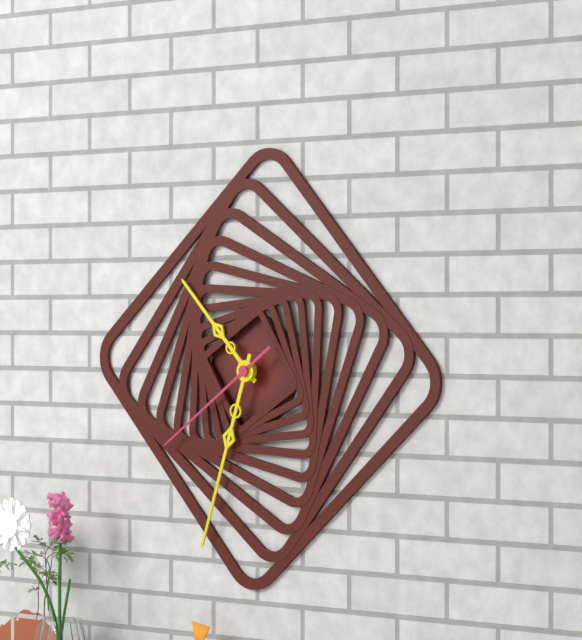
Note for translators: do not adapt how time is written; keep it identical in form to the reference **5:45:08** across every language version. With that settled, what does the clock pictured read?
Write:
**10:33:39**
